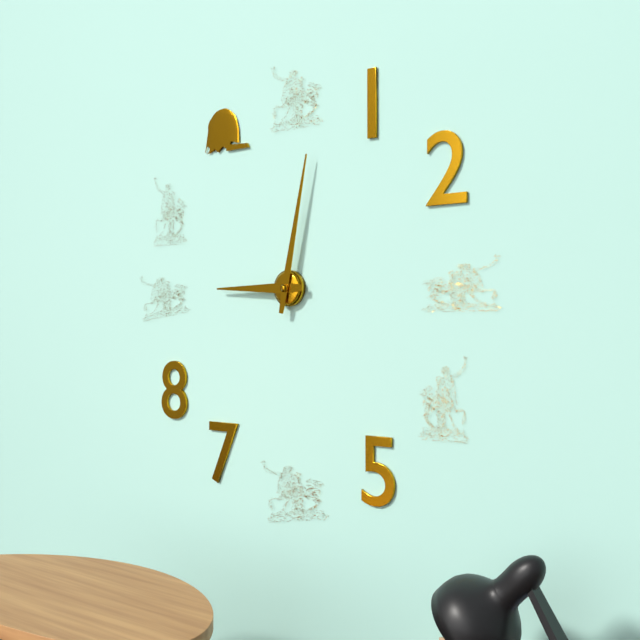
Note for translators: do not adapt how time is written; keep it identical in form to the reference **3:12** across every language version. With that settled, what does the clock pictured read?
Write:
**9:02**
